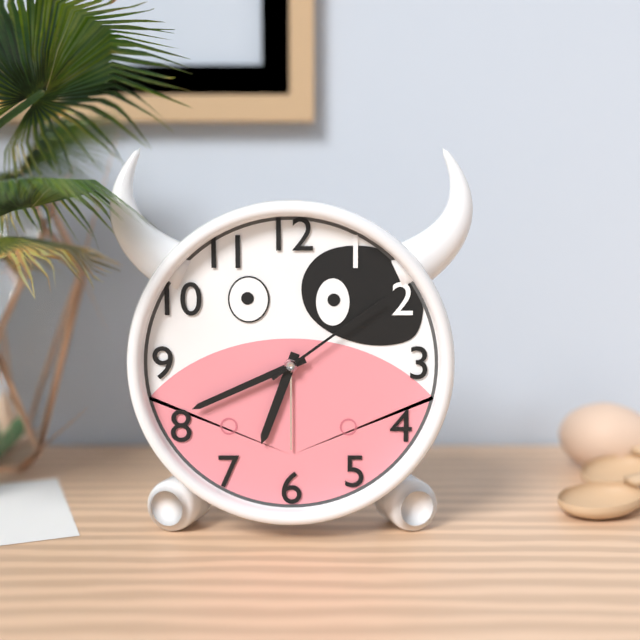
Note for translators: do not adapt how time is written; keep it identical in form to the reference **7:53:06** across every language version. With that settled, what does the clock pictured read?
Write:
**6:41:09**
